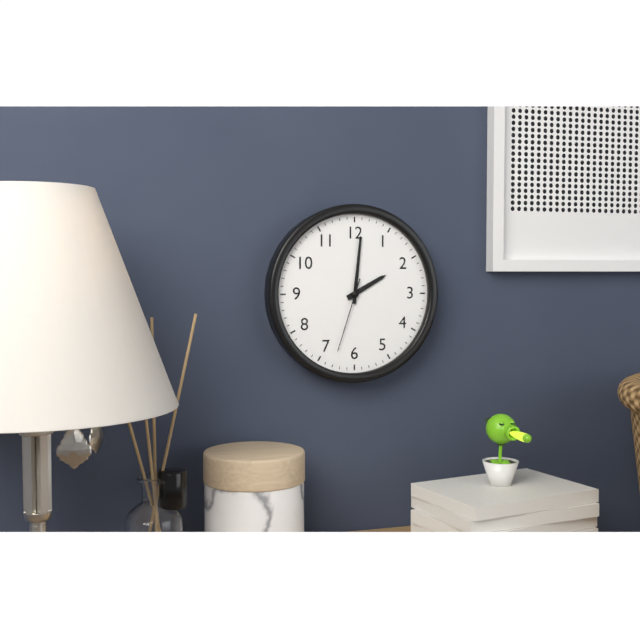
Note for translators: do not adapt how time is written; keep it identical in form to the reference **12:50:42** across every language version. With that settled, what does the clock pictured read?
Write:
**2:01:33**
